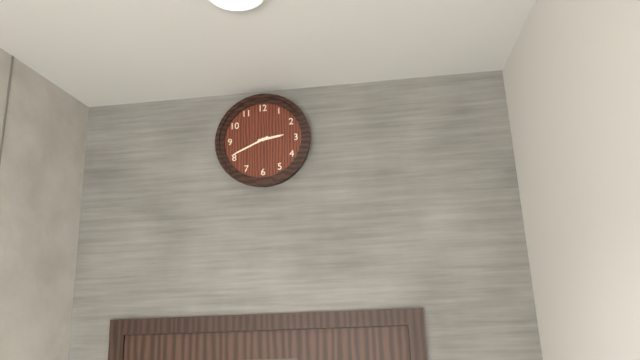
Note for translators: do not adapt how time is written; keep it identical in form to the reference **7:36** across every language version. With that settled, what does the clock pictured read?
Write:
**2:41**
